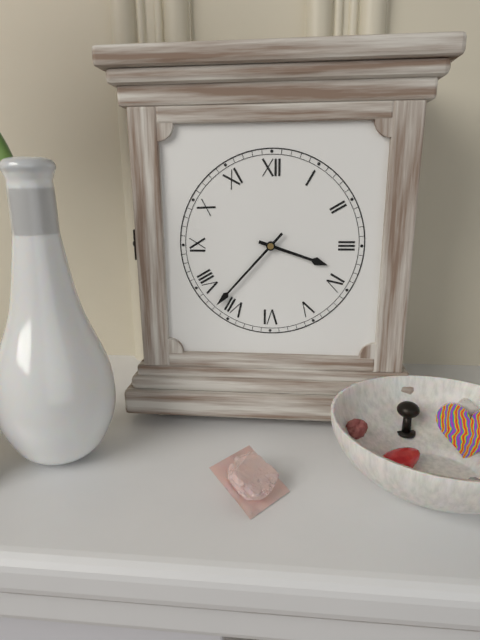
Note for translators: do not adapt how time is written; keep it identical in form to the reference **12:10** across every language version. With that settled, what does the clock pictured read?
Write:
**3:37**
